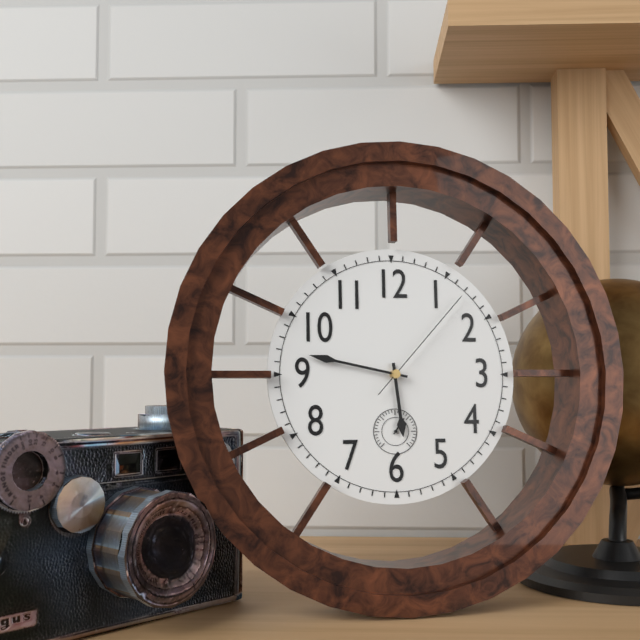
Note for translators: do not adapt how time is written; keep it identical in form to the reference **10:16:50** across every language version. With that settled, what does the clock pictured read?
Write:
**5:47:07**
